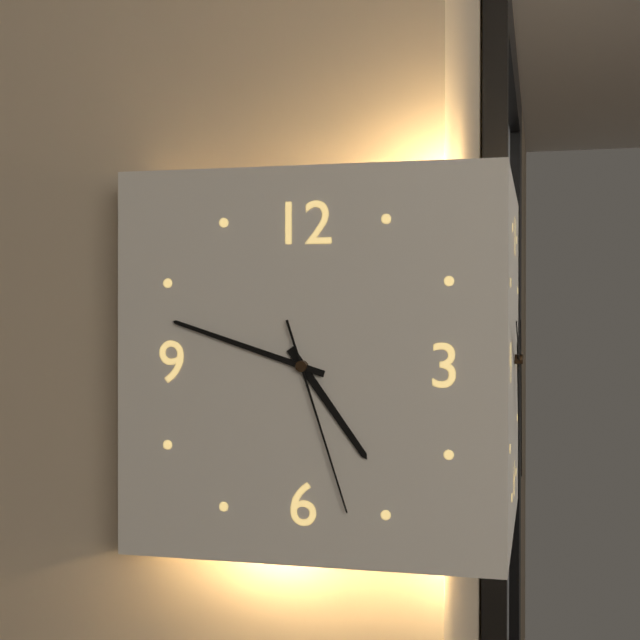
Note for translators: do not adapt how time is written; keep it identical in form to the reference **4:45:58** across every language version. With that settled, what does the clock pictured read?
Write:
**4:48:27**
